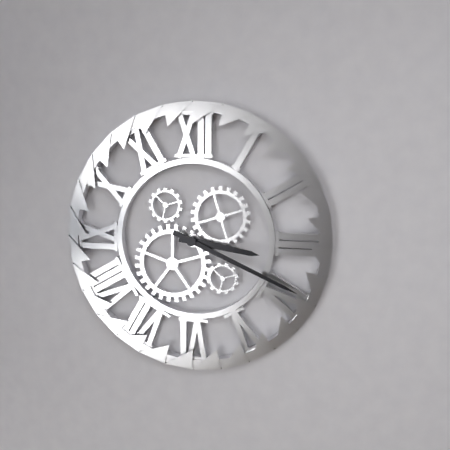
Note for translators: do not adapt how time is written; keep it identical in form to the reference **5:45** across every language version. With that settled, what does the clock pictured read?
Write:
**3:19**
